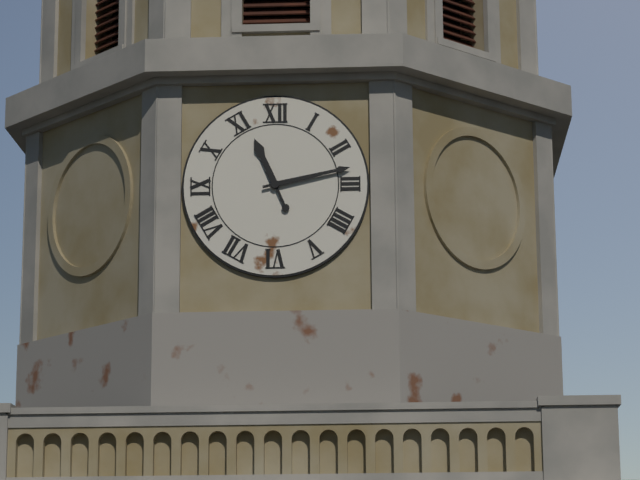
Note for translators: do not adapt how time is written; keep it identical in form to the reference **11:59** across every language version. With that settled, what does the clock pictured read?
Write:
**11:13**
